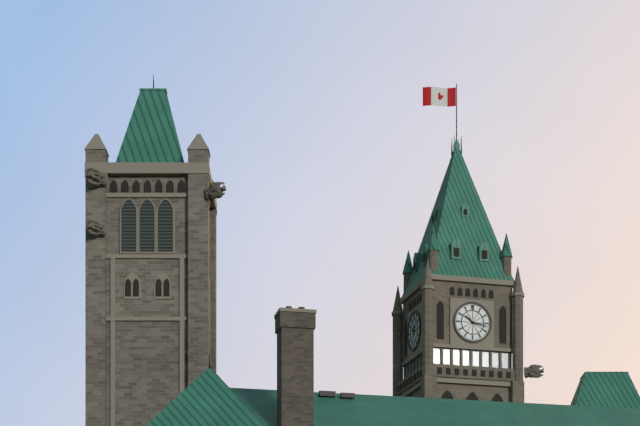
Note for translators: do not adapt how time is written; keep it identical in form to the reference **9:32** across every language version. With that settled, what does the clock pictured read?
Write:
**10:17**
